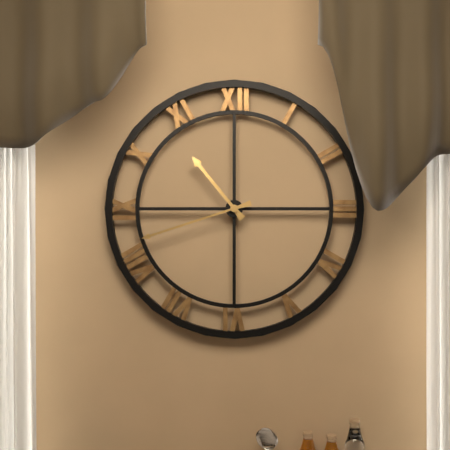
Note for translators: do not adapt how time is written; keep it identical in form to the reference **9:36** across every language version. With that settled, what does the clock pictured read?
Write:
**10:42**
